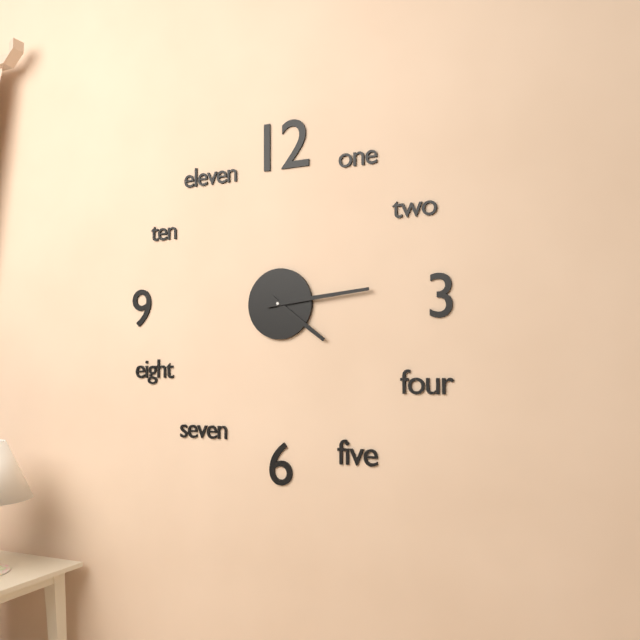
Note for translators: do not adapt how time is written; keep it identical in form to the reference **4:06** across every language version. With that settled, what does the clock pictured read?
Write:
**4:14**
